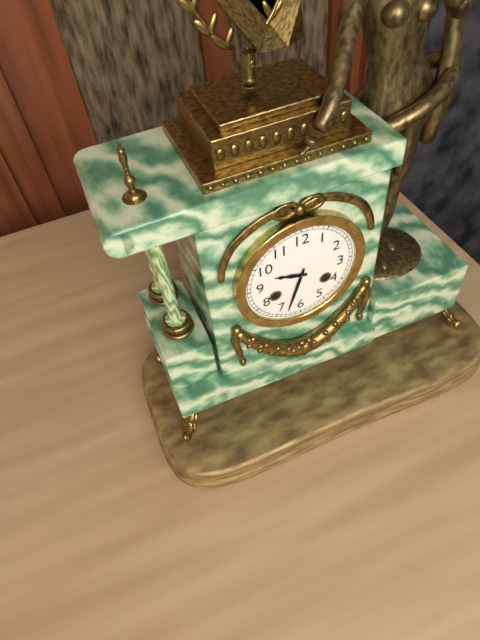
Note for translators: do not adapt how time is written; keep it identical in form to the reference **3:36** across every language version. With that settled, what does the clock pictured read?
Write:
**9:33**
